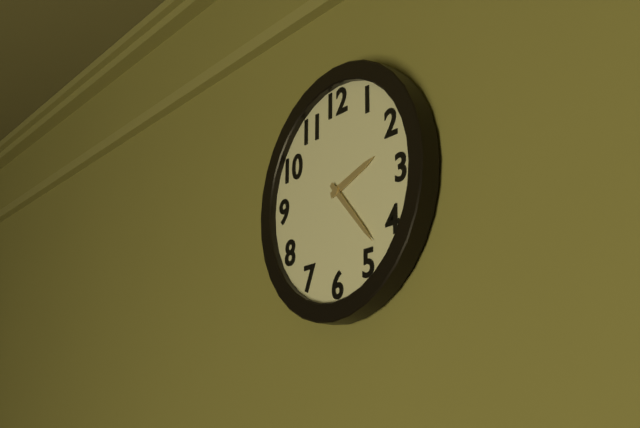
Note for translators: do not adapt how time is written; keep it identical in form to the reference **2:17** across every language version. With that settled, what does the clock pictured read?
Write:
**2:23**
